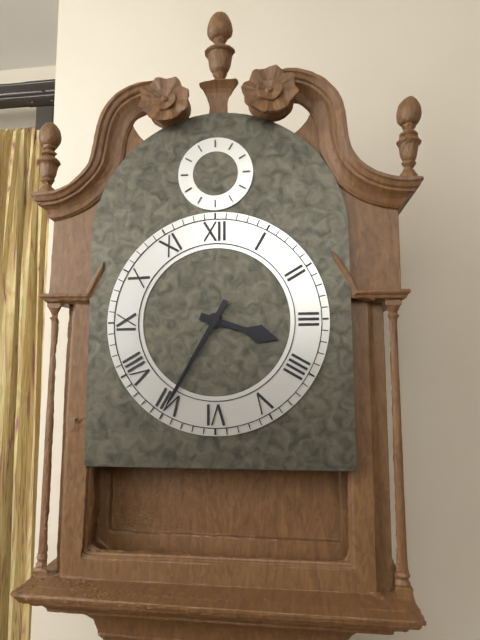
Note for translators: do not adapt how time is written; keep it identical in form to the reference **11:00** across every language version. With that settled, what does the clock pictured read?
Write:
**3:35**
